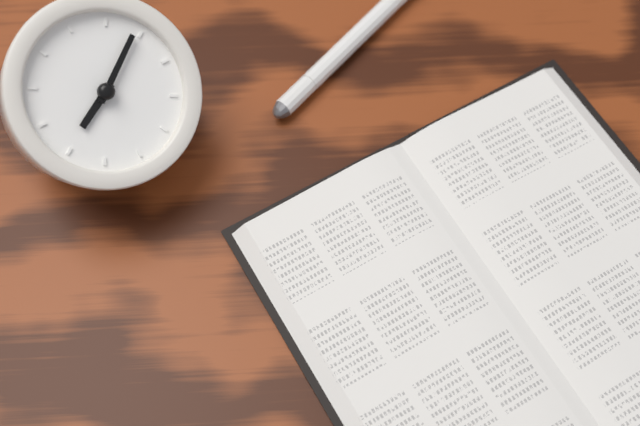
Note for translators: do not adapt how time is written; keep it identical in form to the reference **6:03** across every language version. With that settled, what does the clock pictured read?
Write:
**7:04**
